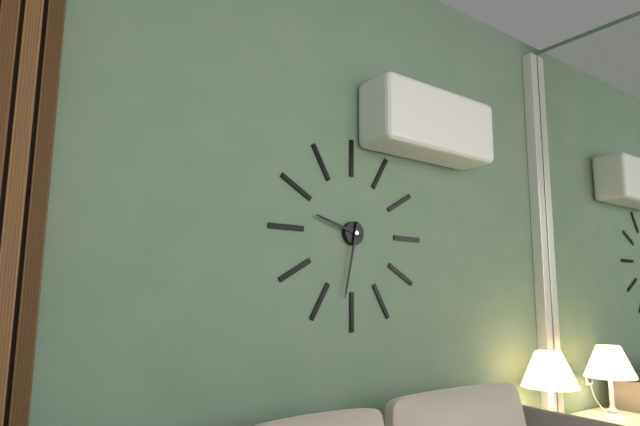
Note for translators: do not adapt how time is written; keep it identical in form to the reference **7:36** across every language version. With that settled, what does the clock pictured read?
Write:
**9:32**
